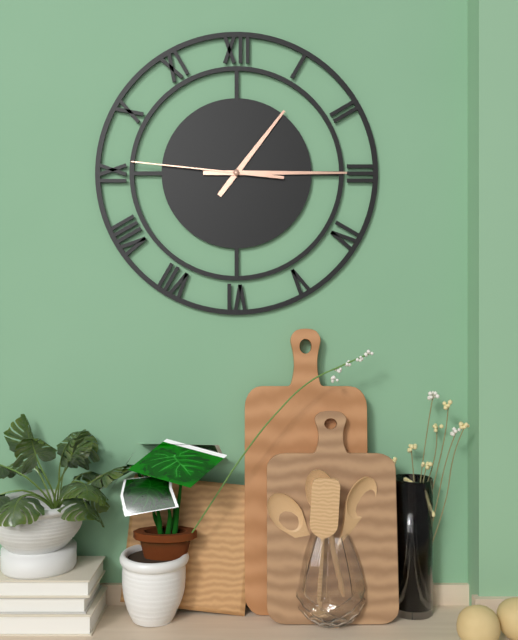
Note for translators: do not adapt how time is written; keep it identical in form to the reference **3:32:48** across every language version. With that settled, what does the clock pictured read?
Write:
**1:15:46**
